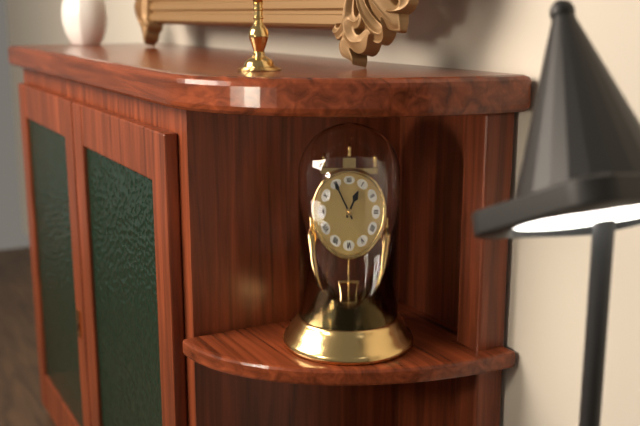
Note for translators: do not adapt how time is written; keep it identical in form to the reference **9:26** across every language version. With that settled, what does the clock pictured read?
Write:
**12:55**
